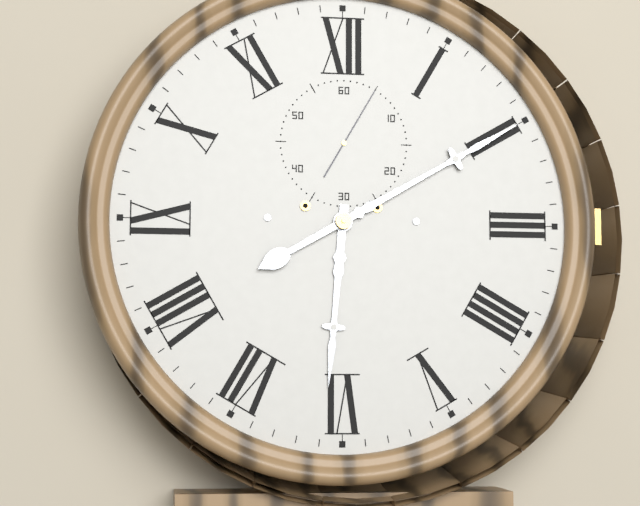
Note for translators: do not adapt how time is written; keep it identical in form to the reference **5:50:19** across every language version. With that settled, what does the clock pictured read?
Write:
**6:10:05**
